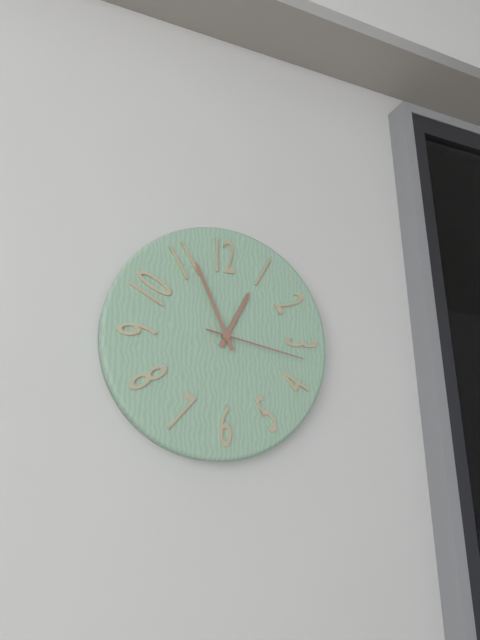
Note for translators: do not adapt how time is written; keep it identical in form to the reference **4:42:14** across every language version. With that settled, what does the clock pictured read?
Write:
**12:56:17**
